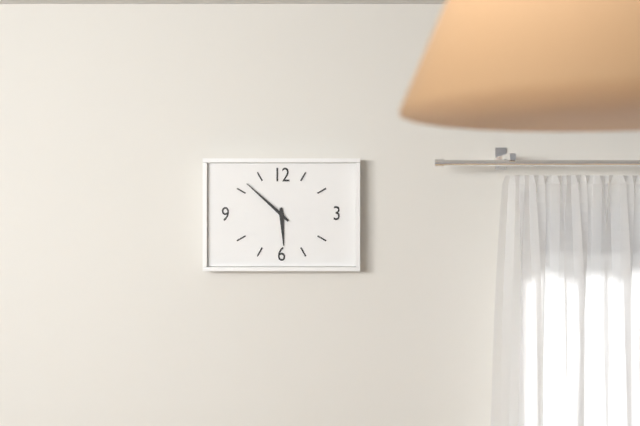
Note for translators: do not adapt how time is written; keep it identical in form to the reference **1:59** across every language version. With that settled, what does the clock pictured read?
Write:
**5:52**
